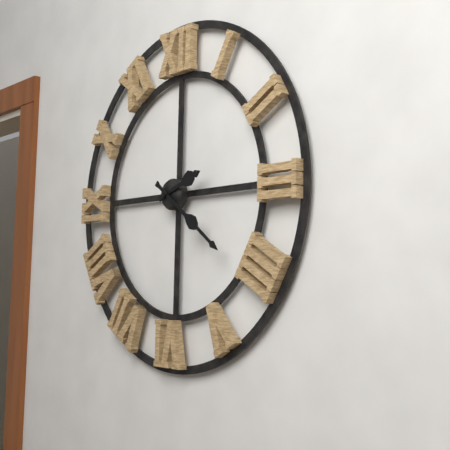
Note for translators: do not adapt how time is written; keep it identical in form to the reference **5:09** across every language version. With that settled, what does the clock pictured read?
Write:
**2:21**
